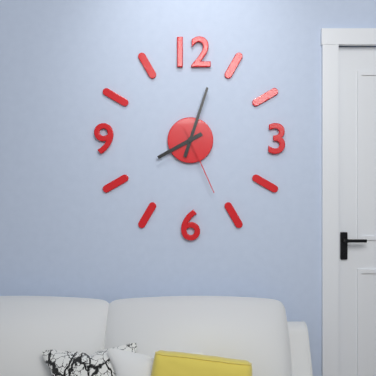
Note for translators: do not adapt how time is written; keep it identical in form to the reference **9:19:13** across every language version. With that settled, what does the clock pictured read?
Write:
**8:03:26**
